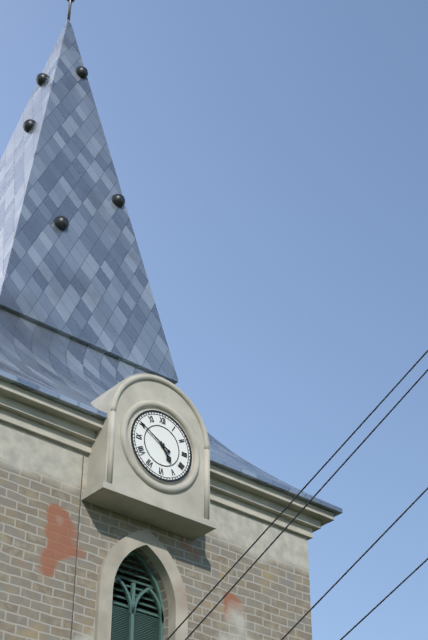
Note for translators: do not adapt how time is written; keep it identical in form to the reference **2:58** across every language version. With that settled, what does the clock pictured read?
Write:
**4:50**
